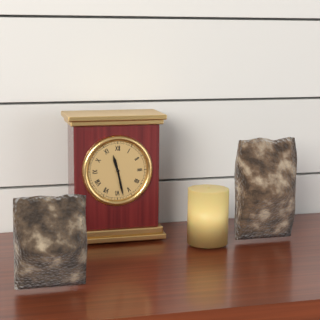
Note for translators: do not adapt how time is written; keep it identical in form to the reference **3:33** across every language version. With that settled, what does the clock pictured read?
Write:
**11:28**
